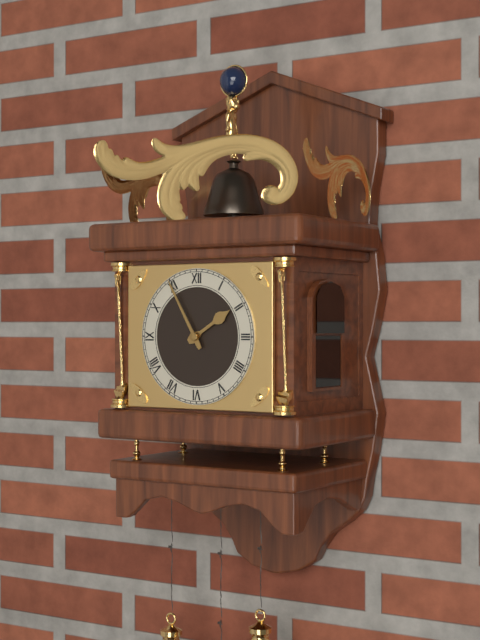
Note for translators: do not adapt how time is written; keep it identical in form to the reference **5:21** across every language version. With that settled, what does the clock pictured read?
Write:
**1:55**
